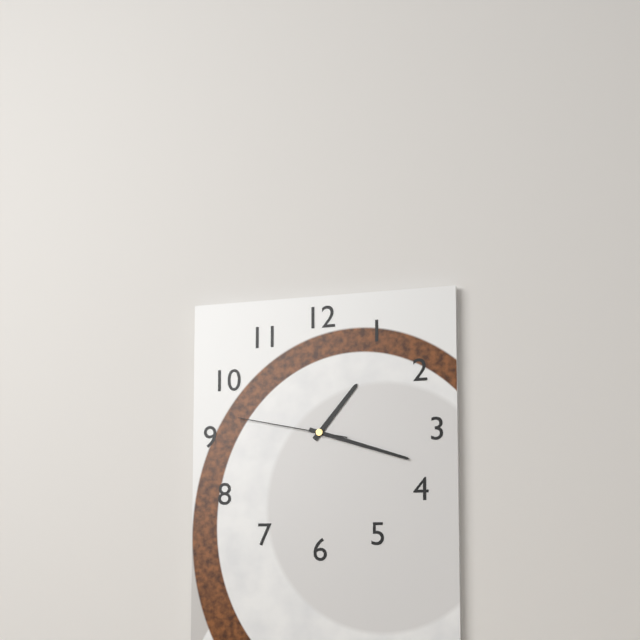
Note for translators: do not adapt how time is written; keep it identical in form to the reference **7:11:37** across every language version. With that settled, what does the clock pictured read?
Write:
**1:18:47**
